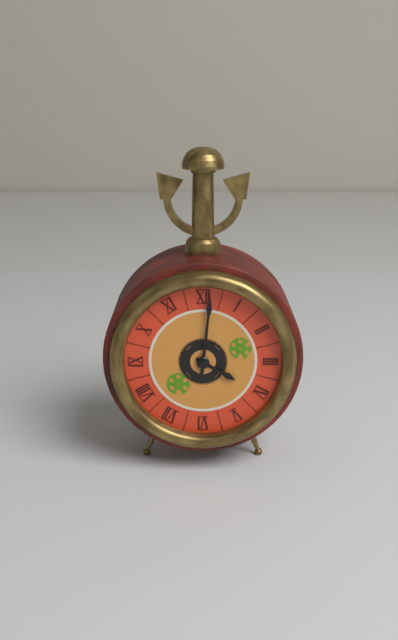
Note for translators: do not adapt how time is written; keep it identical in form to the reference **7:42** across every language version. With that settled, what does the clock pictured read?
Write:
**4:01**
